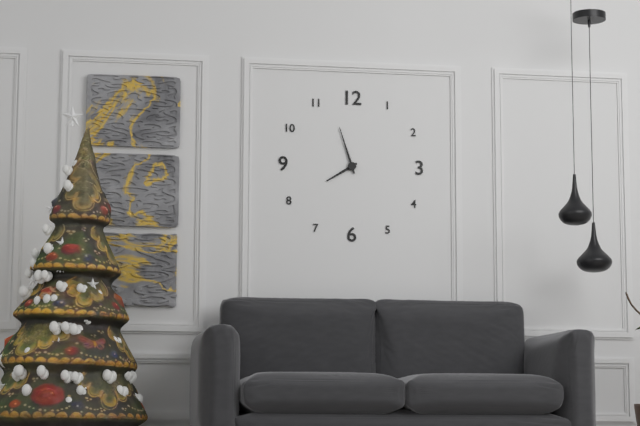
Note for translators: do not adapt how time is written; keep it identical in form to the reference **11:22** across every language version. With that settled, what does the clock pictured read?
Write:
**7:57**
